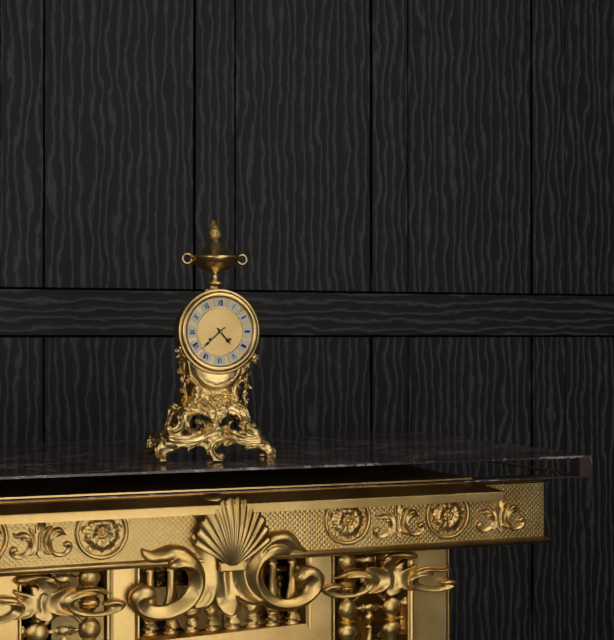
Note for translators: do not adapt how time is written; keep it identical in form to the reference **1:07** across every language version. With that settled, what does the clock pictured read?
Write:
**4:38**
